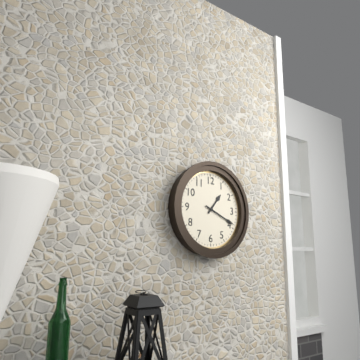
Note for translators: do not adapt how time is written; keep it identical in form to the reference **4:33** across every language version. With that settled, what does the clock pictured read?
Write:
**1:19**
